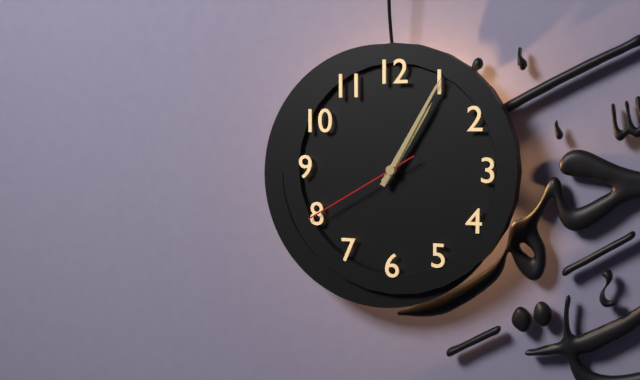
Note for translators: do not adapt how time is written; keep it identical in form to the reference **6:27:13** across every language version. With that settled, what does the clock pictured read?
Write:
**1:05:40**
